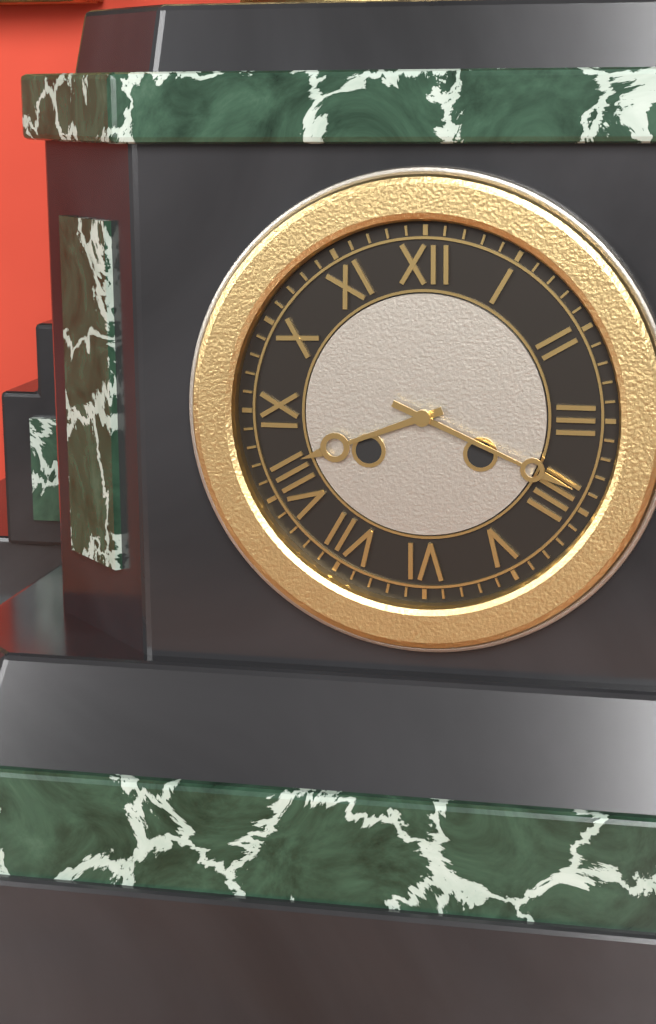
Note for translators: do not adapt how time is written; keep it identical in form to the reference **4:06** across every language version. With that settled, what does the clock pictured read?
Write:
**8:19**
